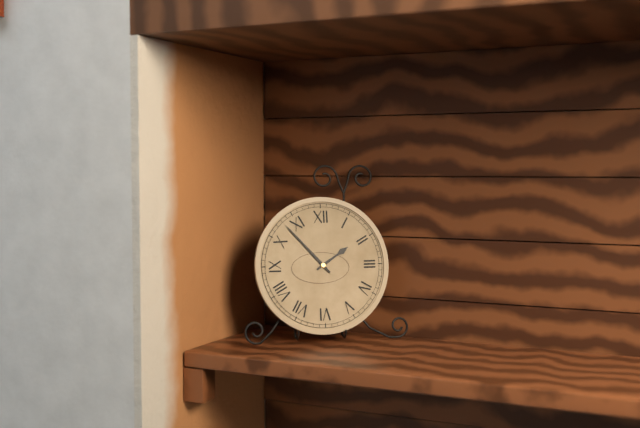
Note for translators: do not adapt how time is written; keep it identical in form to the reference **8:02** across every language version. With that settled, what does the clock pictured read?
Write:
**1:53**
